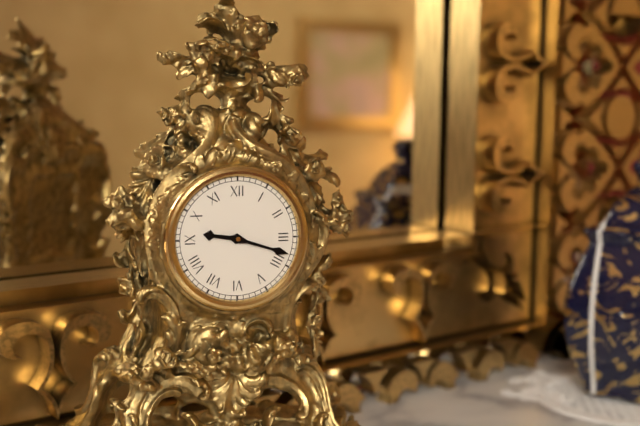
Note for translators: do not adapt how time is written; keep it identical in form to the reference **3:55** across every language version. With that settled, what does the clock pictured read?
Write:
**9:18**
